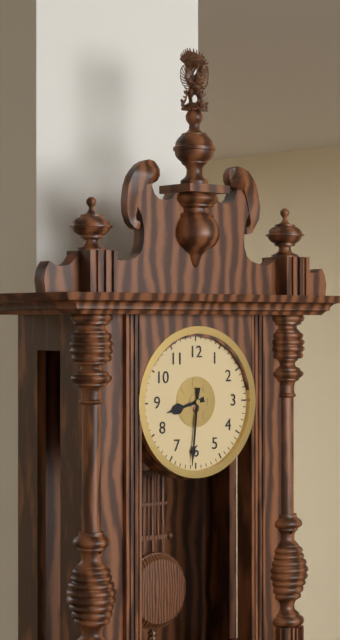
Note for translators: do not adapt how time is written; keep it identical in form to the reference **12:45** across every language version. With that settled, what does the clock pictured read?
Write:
**8:31**
